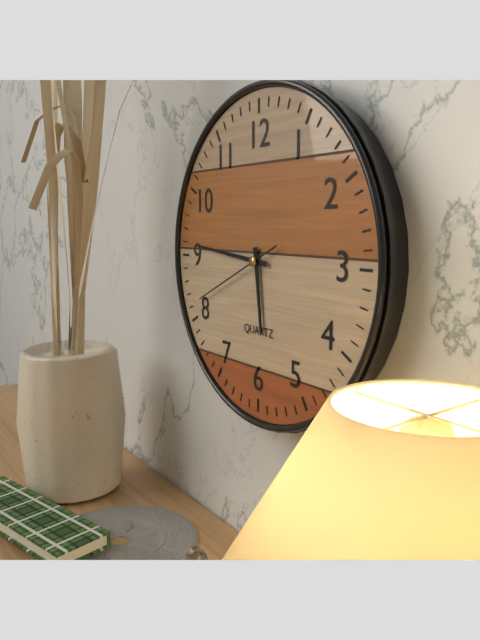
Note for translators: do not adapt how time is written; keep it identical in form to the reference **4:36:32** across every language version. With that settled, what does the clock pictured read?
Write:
**5:46:41**
